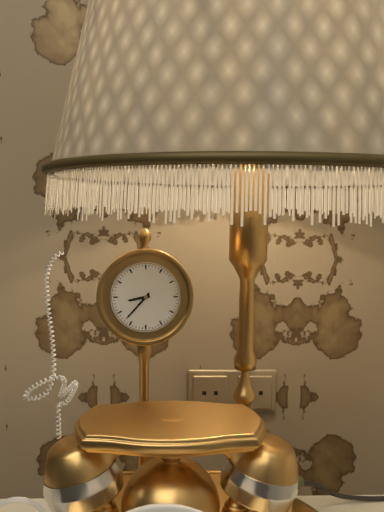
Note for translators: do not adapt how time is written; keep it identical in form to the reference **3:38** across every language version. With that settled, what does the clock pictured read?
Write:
**8:37**
